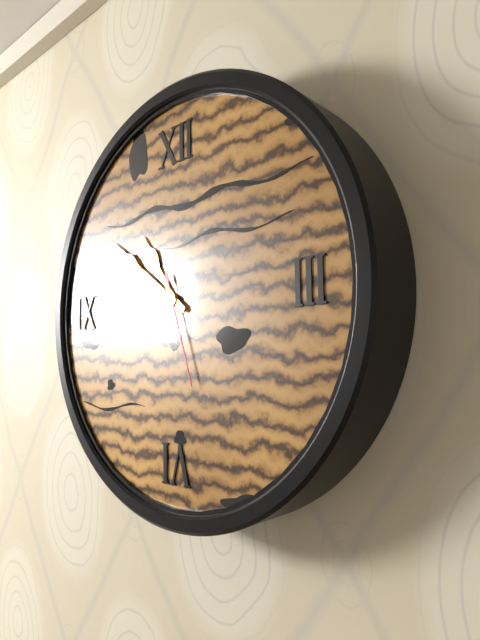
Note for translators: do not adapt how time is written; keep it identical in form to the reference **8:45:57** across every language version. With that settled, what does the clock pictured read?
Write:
**10:51:27**
